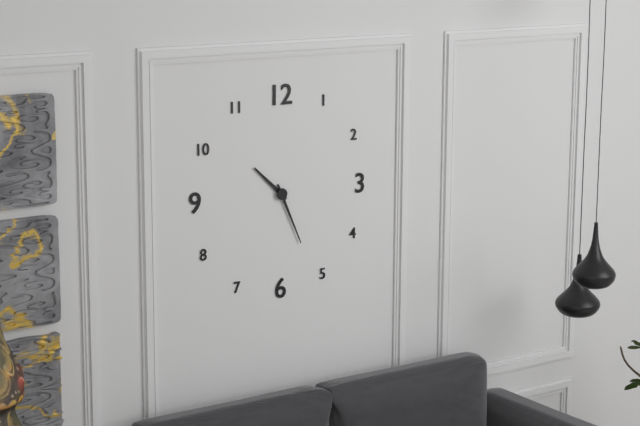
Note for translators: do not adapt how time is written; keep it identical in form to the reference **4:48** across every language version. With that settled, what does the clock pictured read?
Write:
**10:26**
